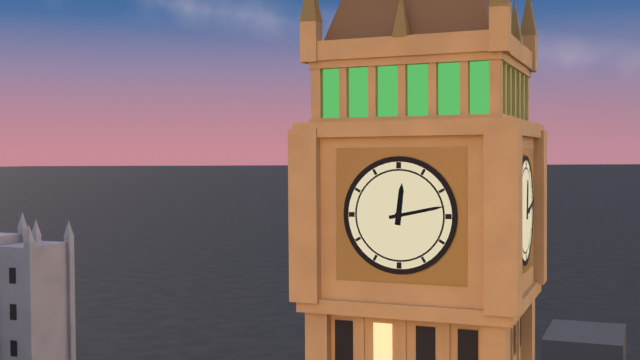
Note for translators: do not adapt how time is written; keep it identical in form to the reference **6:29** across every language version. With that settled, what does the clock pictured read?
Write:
**12:13**
